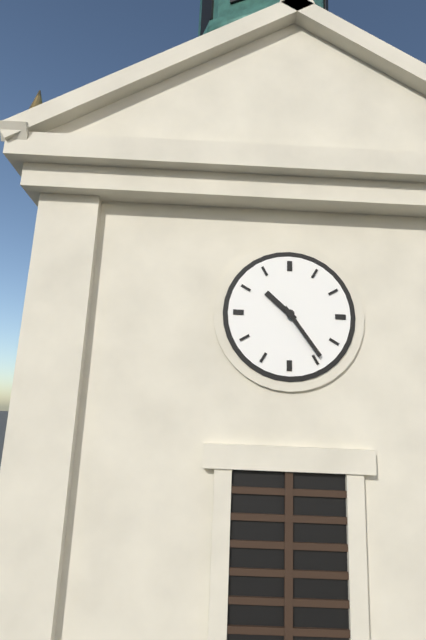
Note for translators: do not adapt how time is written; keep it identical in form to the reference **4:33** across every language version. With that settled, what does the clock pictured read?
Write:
**10:24**
